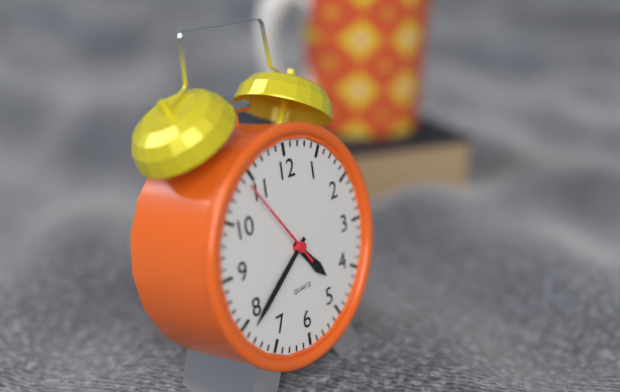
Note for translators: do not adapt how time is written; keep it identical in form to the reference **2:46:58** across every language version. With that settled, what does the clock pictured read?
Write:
**4:39:54**
